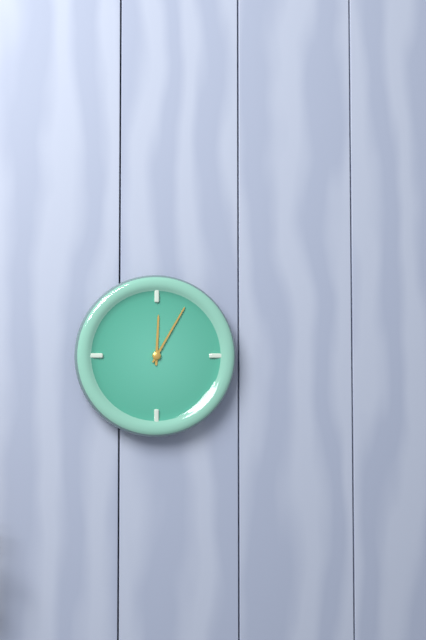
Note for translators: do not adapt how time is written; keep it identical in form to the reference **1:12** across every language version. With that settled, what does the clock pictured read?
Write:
**12:05**
